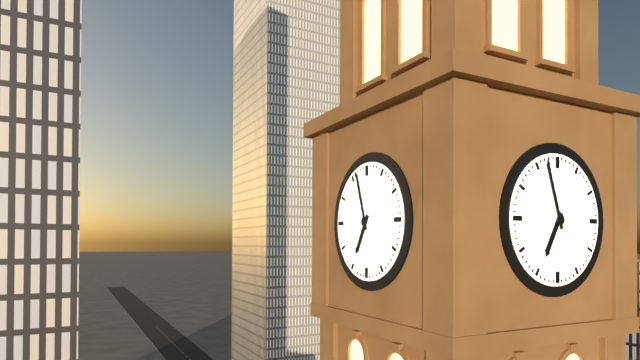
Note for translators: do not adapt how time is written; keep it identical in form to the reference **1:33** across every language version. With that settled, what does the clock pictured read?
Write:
**6:57**
